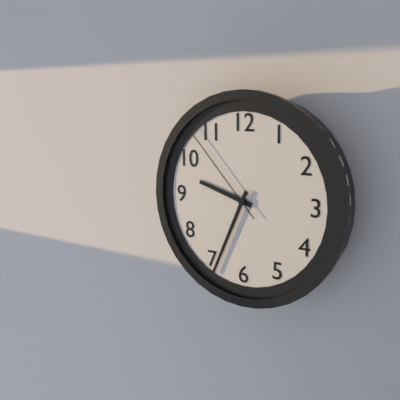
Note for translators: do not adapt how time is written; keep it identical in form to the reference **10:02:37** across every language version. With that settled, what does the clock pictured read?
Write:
**9:34:53**
